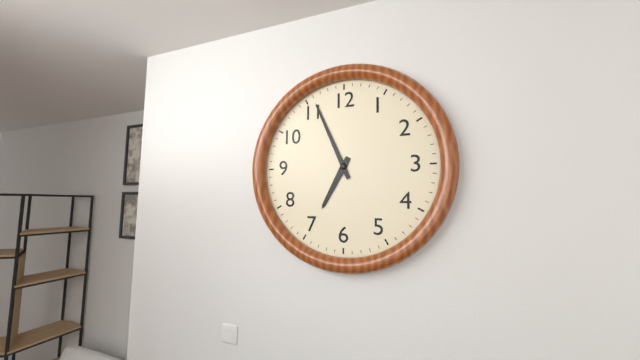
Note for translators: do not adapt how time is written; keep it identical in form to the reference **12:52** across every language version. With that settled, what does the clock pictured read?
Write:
**6:56**
